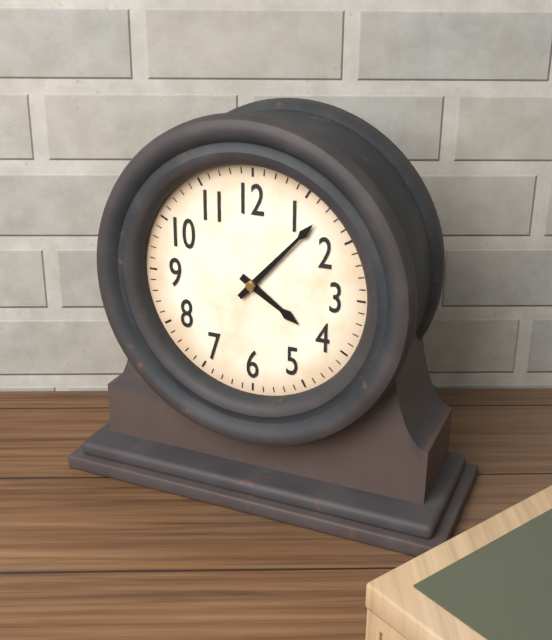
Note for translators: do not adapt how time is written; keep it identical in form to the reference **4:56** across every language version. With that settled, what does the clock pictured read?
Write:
**4:07**
